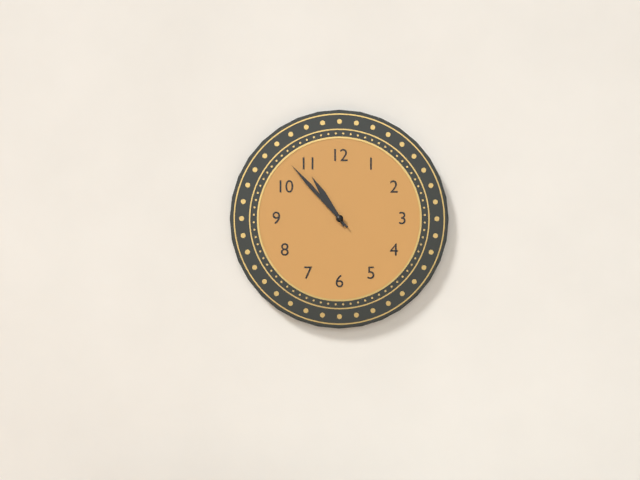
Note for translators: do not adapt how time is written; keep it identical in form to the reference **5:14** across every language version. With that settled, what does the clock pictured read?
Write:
**10:53**
